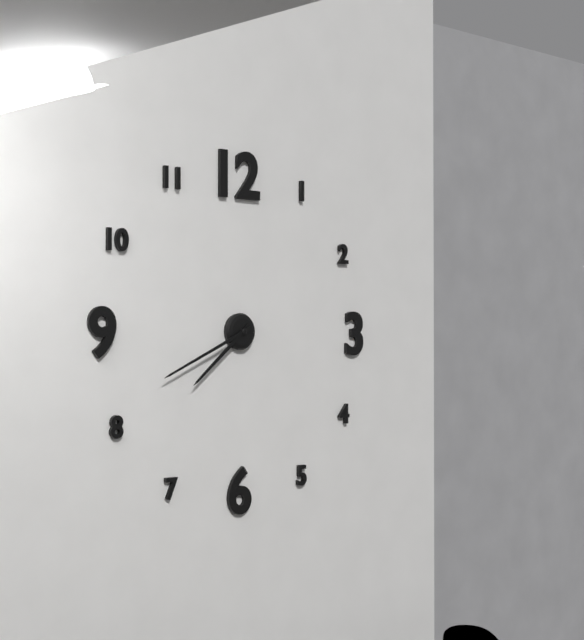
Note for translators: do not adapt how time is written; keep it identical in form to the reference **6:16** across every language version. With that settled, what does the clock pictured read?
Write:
**7:41**
